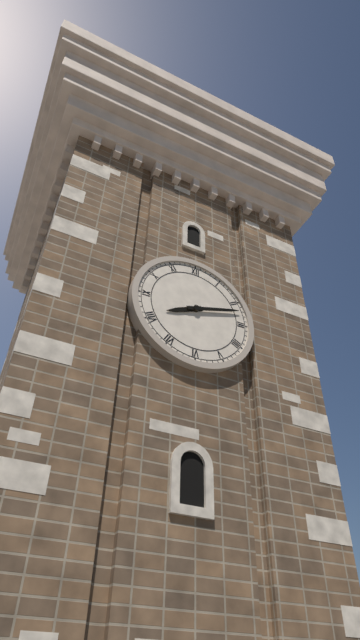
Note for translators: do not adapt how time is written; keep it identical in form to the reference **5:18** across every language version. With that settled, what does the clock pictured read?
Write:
**8:12**
